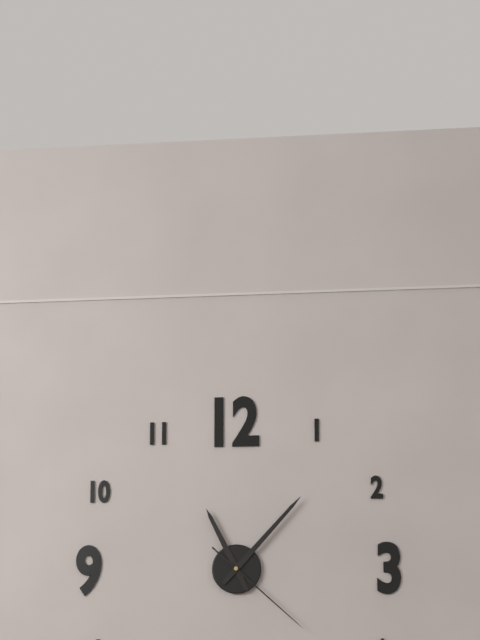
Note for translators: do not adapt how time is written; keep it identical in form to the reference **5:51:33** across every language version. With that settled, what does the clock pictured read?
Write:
**11:07:22**
